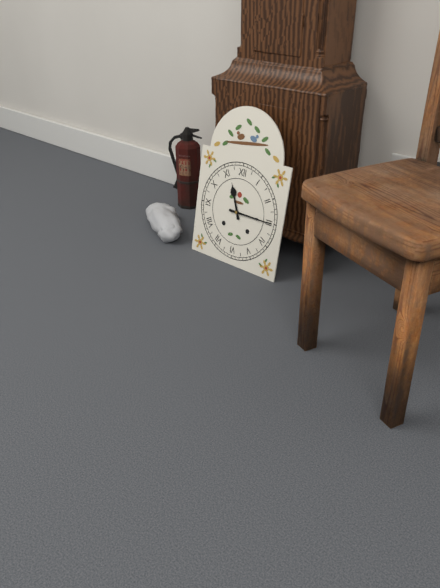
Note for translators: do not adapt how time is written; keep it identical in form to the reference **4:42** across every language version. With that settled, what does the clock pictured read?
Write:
**11:15**
